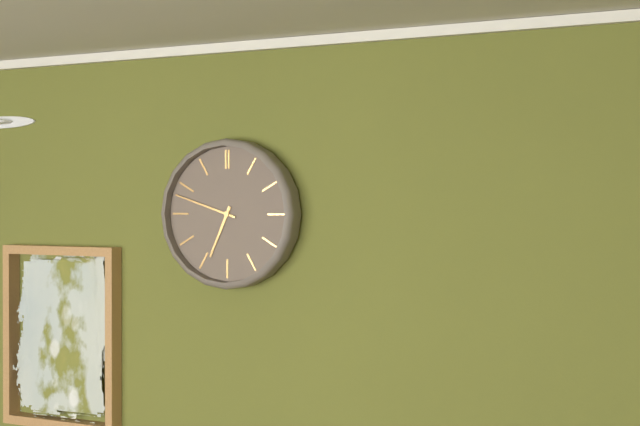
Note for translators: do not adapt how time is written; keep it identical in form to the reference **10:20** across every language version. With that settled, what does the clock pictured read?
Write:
**6:48**
